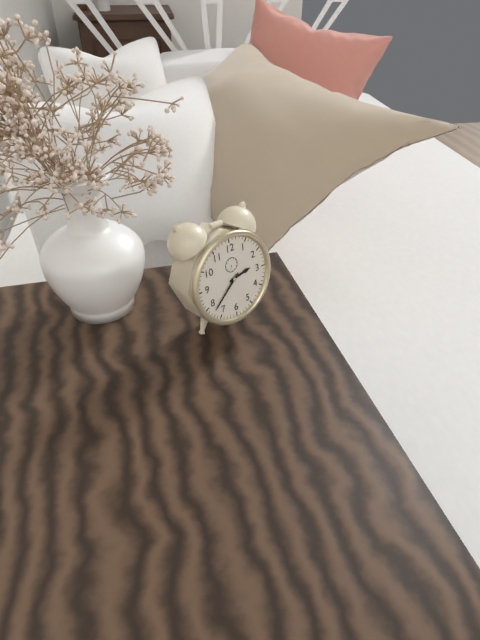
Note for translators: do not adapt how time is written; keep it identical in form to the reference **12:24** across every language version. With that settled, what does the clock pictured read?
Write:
**2:38**
